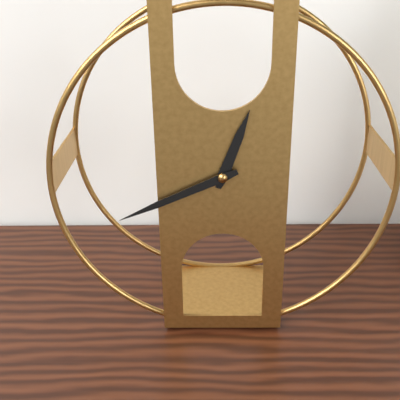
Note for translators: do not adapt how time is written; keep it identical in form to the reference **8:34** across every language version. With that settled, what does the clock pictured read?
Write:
**12:41**
